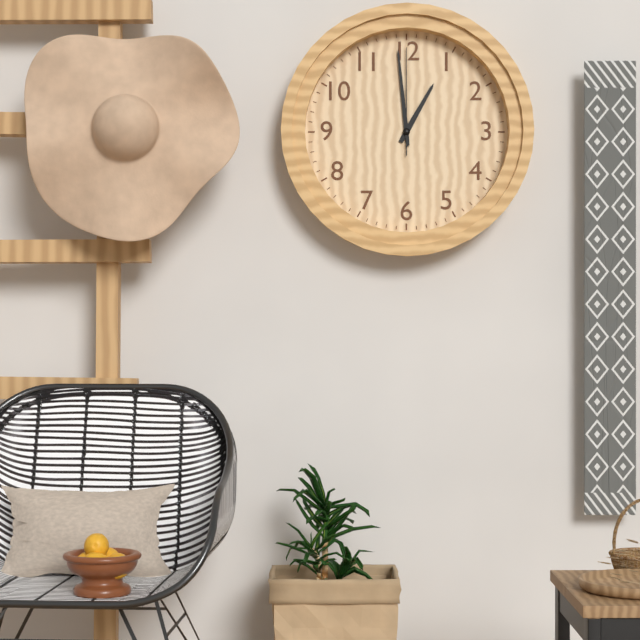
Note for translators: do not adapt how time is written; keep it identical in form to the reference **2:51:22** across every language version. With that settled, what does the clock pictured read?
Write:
**12:59:00**
